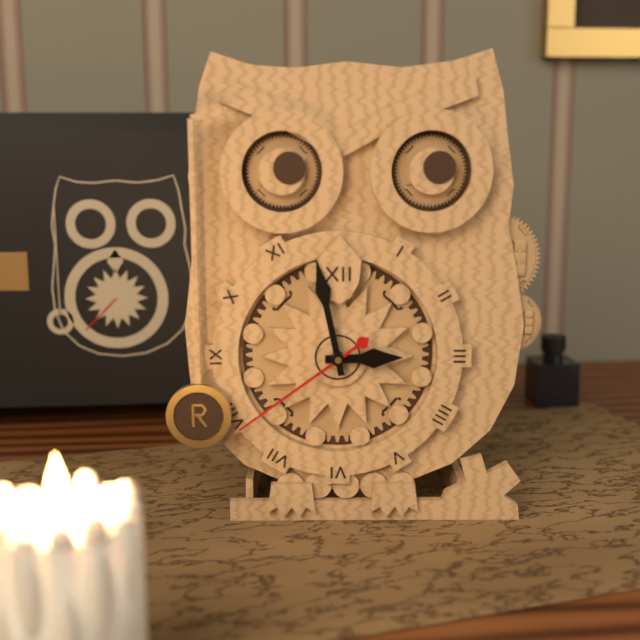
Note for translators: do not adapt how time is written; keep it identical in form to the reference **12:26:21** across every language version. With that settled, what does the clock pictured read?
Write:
**2:58:39**
